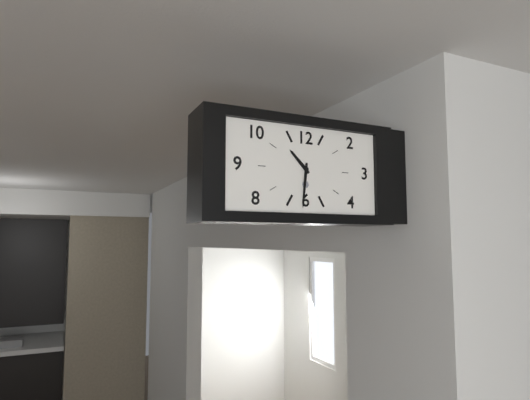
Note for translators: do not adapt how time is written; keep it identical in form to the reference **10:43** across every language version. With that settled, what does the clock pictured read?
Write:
**10:31**
